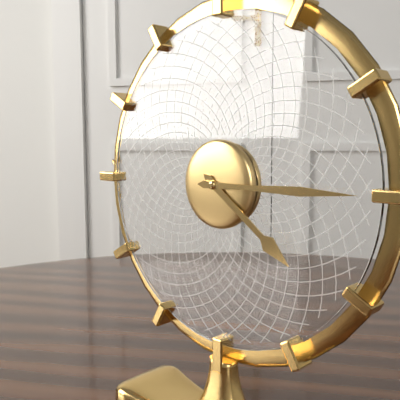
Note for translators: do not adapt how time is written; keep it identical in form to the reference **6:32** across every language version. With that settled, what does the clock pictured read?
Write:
**4:15**
